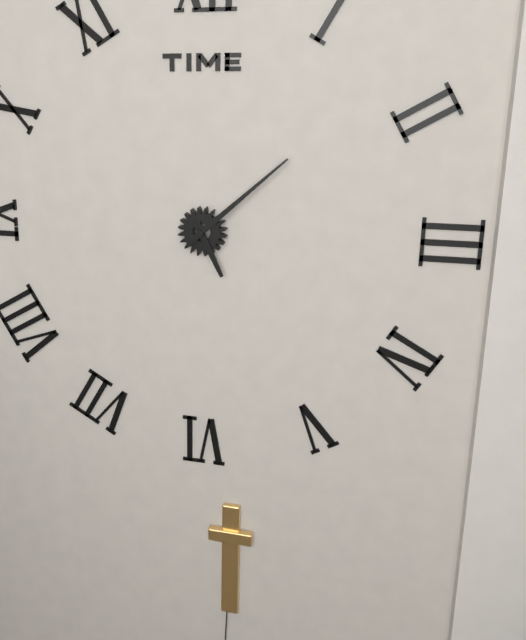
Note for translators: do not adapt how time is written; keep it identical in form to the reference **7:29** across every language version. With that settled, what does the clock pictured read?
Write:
**5:08**
